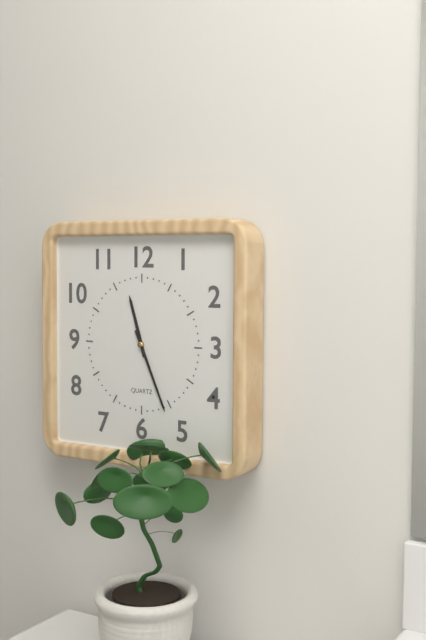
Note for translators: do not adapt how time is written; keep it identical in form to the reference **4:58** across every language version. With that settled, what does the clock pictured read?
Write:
**11:26**
